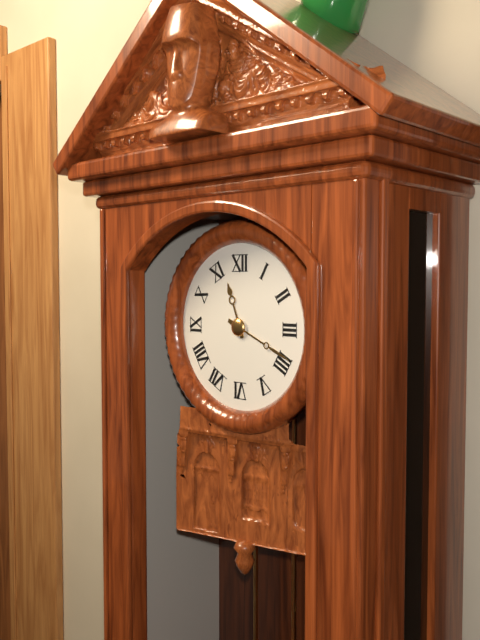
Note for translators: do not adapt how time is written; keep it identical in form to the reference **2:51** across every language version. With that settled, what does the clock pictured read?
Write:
**11:19**
